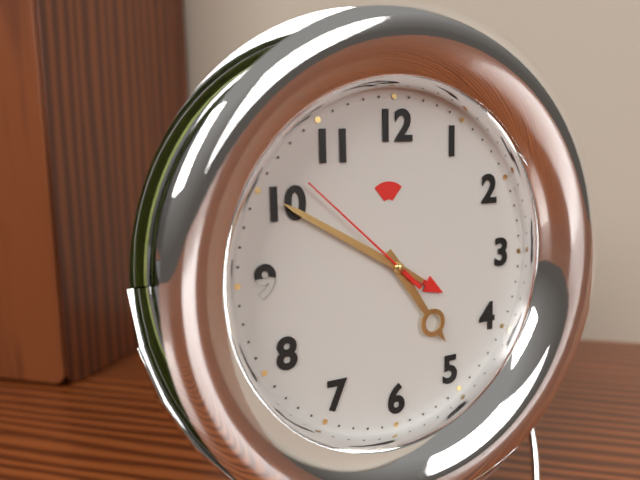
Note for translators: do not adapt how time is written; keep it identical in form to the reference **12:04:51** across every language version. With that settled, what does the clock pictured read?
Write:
**4:50:52**
